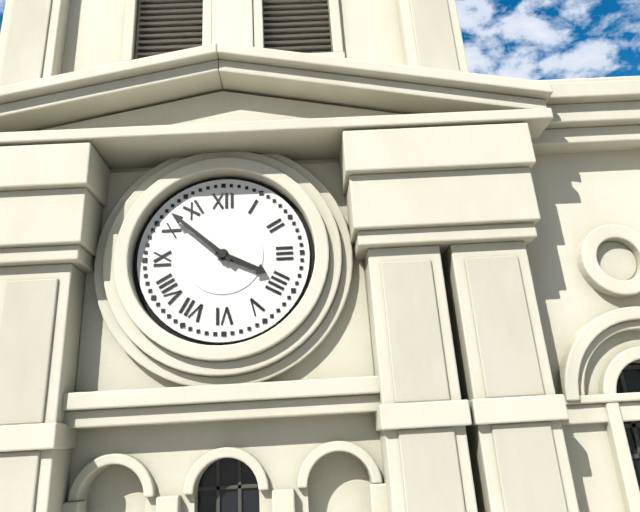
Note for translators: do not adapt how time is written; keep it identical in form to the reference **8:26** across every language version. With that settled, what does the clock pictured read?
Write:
**3:52**
